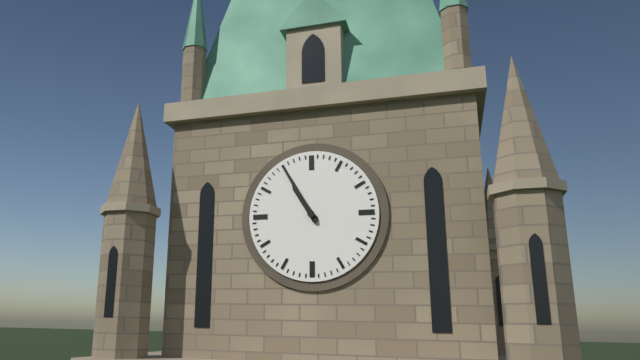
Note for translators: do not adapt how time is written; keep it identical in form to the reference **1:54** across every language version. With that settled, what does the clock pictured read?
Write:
**10:55**
